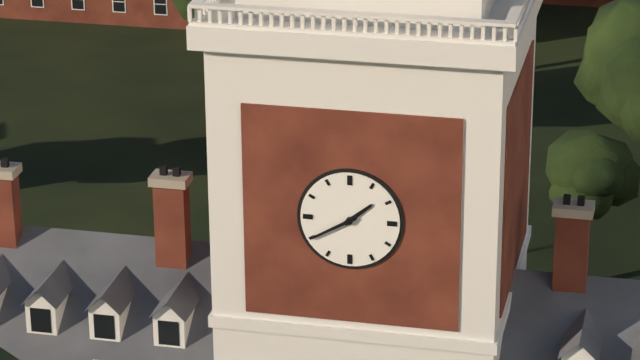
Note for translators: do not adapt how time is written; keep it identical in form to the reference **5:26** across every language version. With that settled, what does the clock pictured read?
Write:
**1:40**
